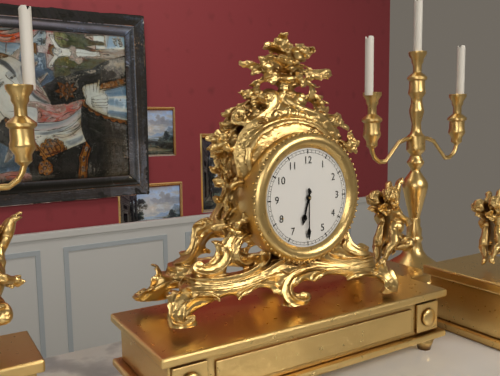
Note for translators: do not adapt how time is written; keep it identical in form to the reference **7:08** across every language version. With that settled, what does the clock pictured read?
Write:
**6:30**
